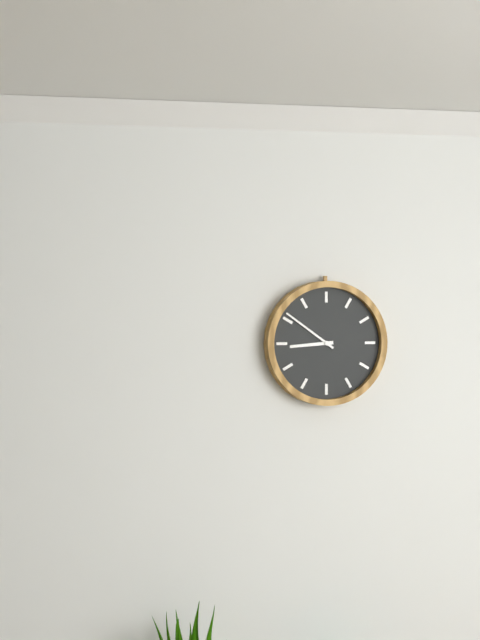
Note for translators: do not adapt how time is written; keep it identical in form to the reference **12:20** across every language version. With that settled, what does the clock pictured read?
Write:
**8:51**
